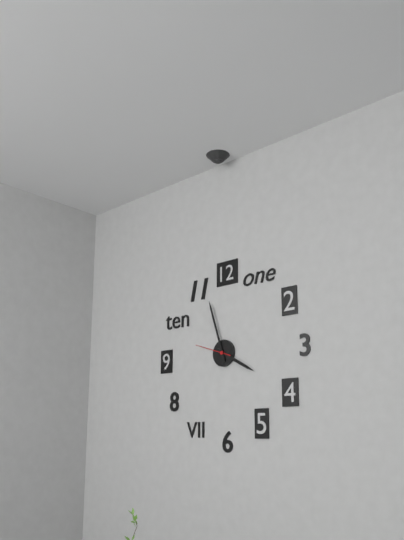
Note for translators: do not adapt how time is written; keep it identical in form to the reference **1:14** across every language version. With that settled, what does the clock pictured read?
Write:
**3:57**
